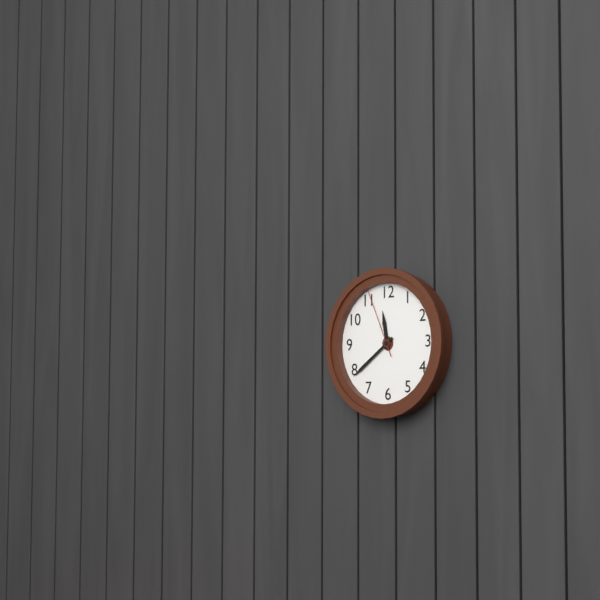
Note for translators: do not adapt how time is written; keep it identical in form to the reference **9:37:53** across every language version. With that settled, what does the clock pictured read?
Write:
**11:39:56**
